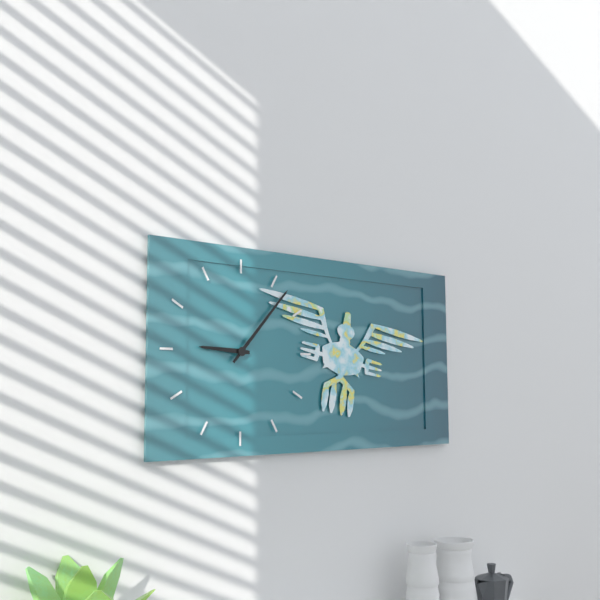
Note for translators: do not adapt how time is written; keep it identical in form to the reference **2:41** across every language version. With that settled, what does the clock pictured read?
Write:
**9:07**
